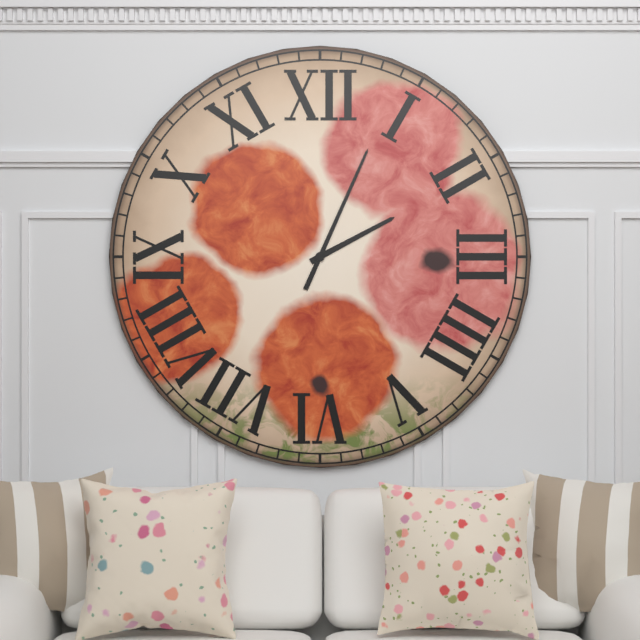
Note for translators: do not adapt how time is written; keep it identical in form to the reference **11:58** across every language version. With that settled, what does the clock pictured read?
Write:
**2:04**
